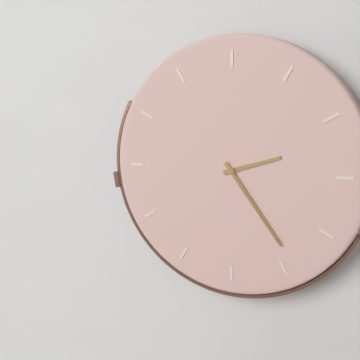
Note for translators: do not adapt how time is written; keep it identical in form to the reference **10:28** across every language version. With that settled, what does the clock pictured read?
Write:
**2:24**
